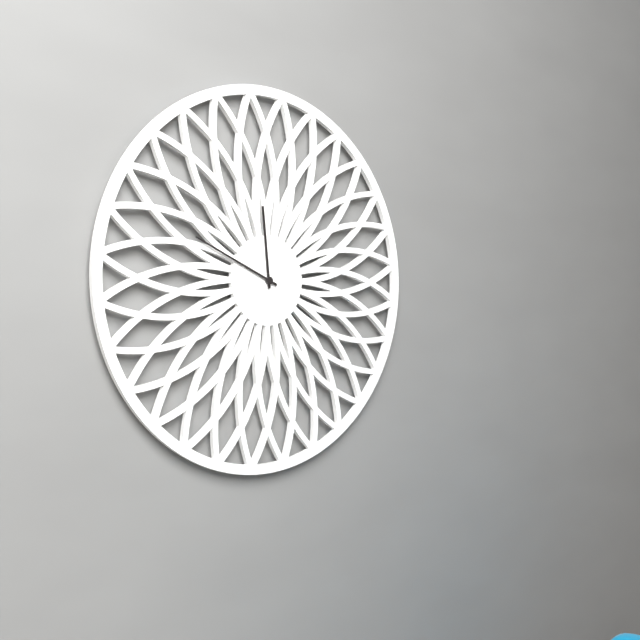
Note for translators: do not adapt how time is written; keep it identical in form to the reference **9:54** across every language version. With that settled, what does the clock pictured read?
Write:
**11:49**
